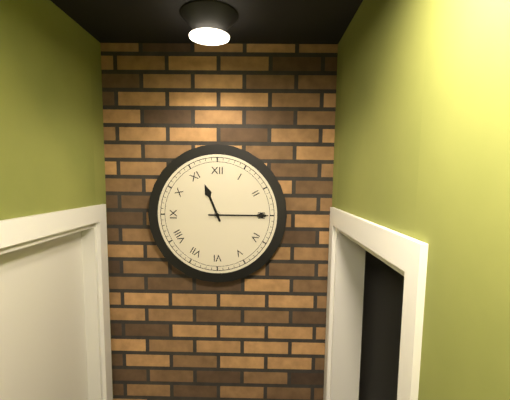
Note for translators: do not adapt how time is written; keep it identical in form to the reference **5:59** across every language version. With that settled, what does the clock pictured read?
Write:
**11:15**
